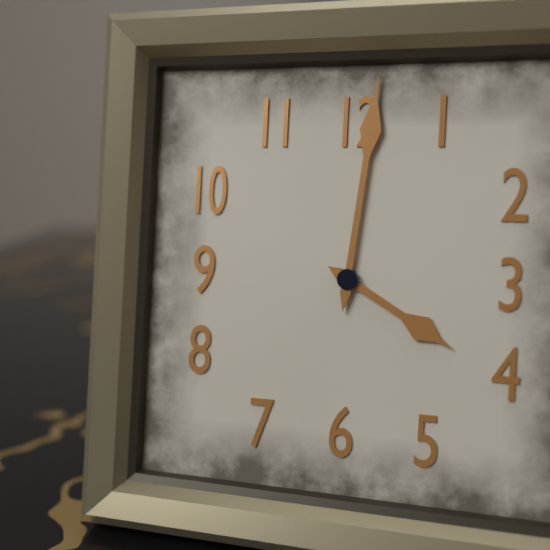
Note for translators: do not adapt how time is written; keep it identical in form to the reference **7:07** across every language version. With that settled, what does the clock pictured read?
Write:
**4:01**
